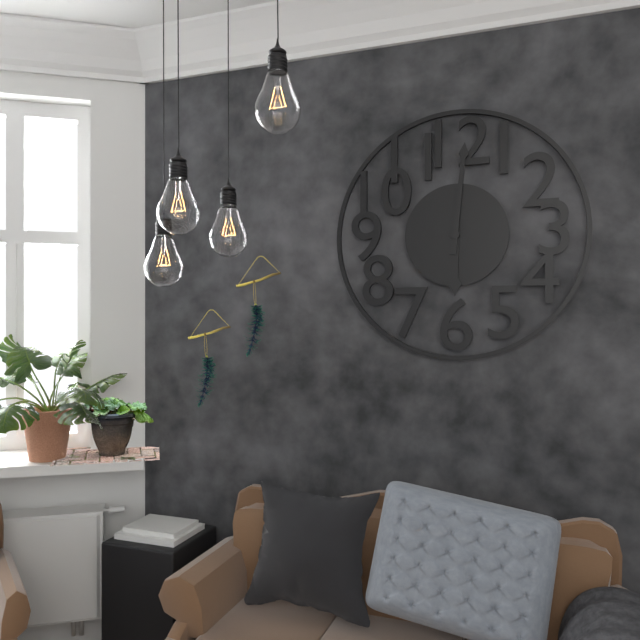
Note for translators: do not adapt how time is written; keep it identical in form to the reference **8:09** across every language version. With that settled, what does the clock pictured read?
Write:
**6:01**
